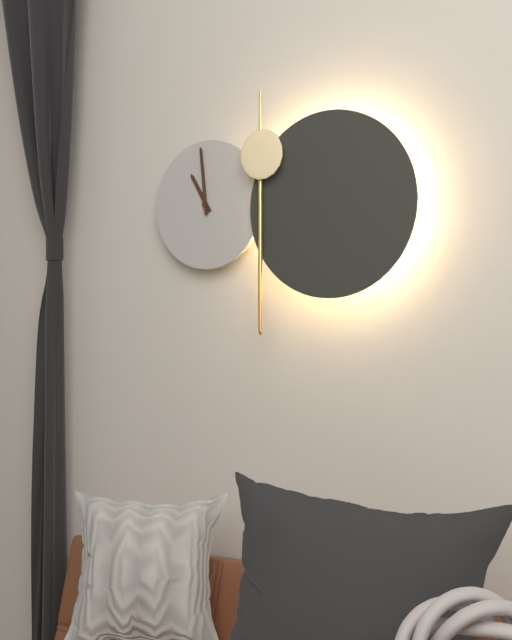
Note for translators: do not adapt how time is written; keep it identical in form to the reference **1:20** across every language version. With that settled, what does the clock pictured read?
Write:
**10:59**
